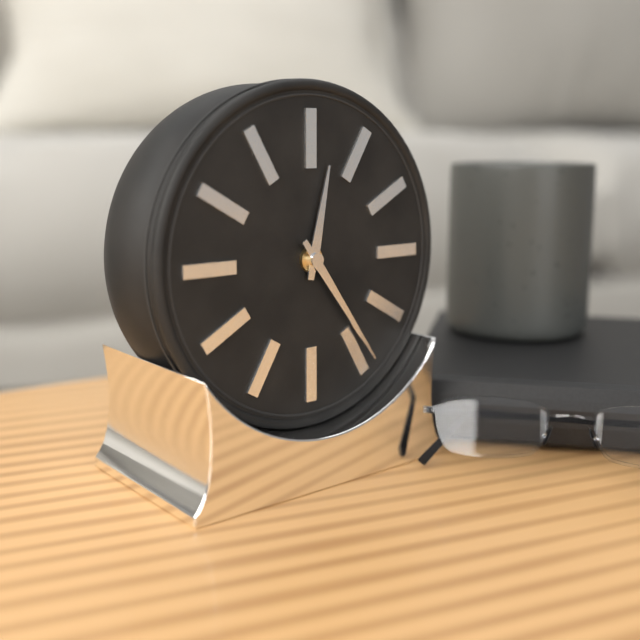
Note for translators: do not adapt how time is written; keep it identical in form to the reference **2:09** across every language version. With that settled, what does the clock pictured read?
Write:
**12:24**
